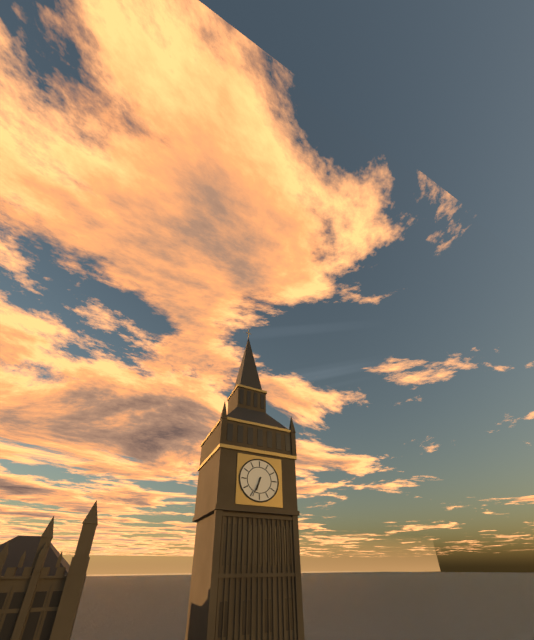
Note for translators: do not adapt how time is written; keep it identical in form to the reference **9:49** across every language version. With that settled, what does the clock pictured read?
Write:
**6:34**
